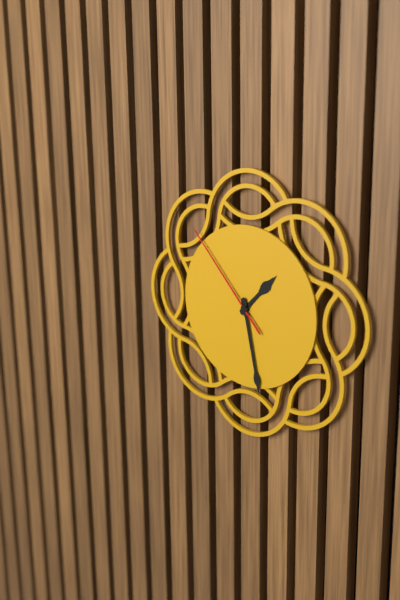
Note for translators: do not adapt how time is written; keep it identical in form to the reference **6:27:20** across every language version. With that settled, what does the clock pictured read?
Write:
**1:28:53**
